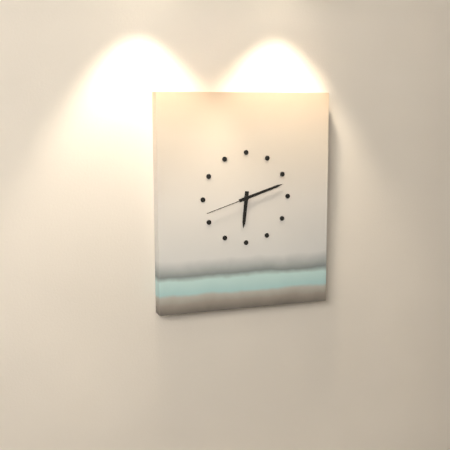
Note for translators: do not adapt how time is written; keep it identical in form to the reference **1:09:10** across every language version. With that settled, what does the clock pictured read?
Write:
**6:12:42**
